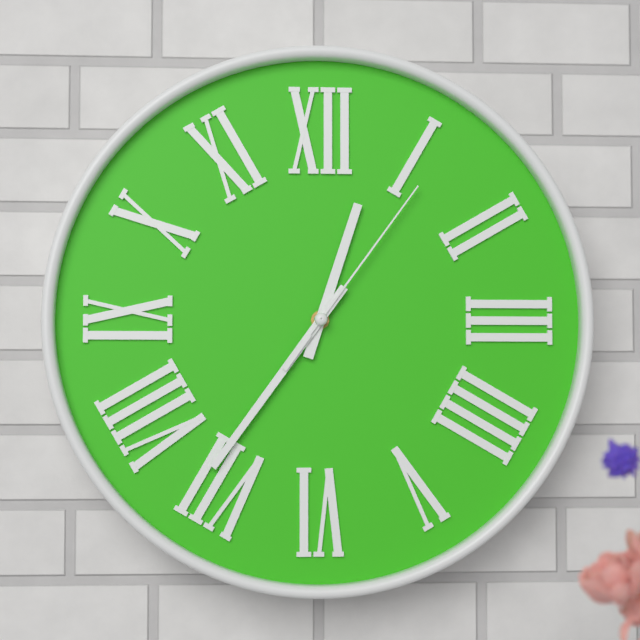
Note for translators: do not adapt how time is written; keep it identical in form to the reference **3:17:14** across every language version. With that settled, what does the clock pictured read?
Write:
**12:36:06**
